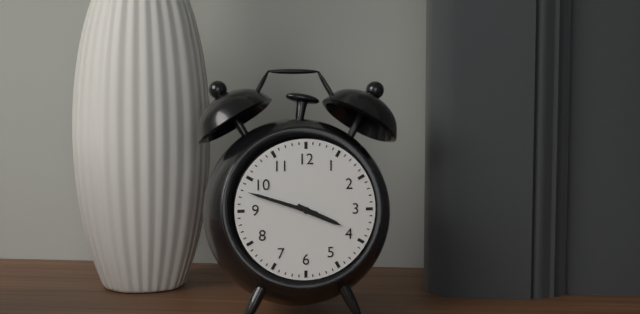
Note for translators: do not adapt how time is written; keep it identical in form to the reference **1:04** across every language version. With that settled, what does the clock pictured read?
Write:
**3:48**
